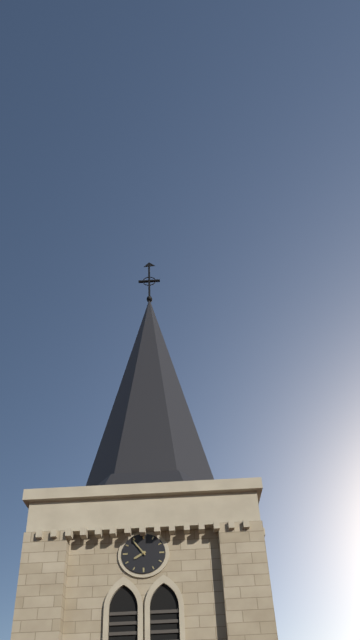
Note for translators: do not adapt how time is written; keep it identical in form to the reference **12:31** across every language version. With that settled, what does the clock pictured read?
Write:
**7:54**
